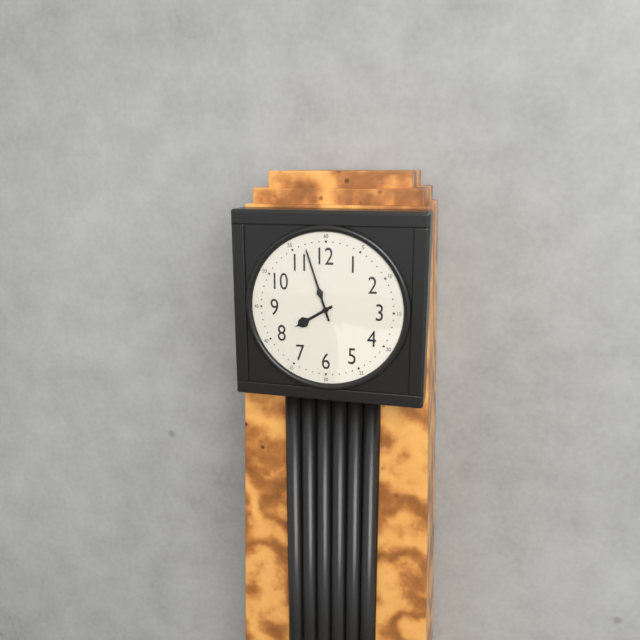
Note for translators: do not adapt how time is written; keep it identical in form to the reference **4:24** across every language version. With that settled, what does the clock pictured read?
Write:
**7:57**
